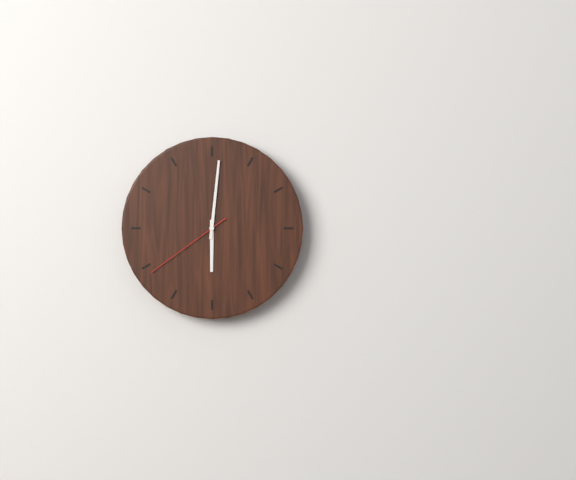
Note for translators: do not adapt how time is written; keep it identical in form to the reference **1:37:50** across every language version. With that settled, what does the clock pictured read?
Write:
**6:01:39**
